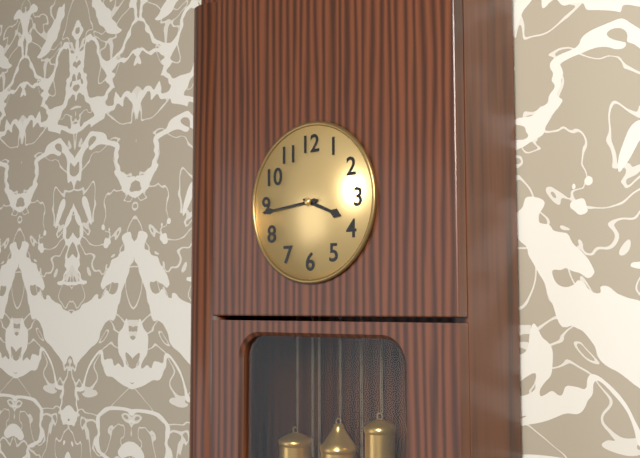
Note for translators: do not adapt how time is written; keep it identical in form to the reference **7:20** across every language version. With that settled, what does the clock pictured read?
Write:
**3:44**
